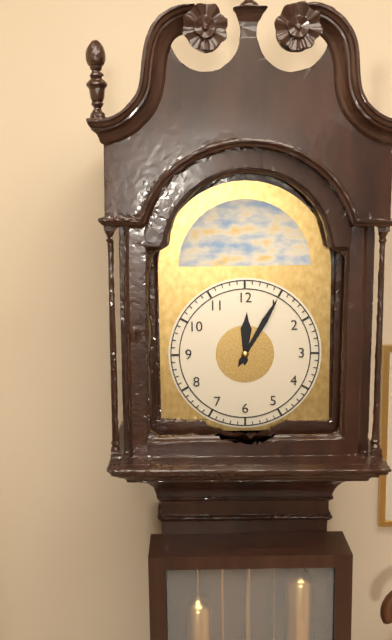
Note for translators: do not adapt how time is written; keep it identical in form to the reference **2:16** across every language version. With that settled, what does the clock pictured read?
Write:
**12:05**
